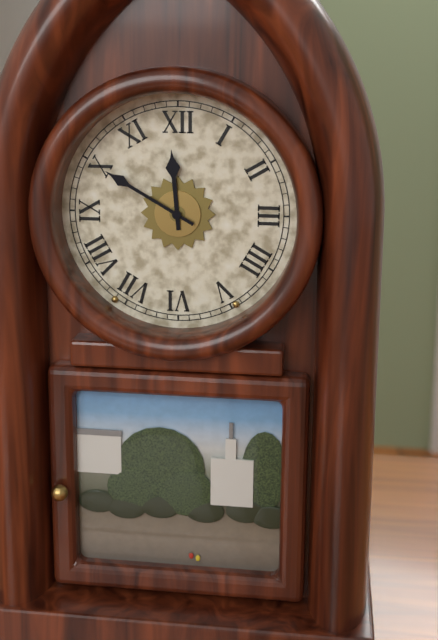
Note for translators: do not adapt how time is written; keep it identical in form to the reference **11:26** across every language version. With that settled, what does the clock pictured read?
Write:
**11:50**
